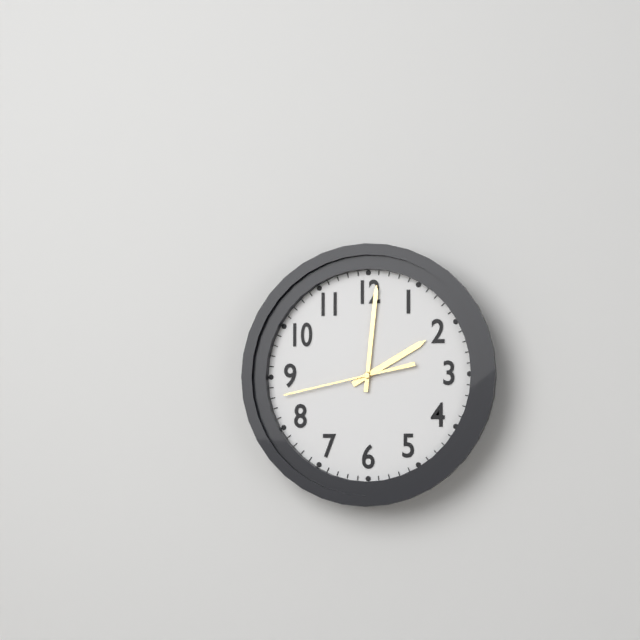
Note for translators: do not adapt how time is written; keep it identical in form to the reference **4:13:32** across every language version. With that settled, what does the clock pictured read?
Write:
**2:01:43**
